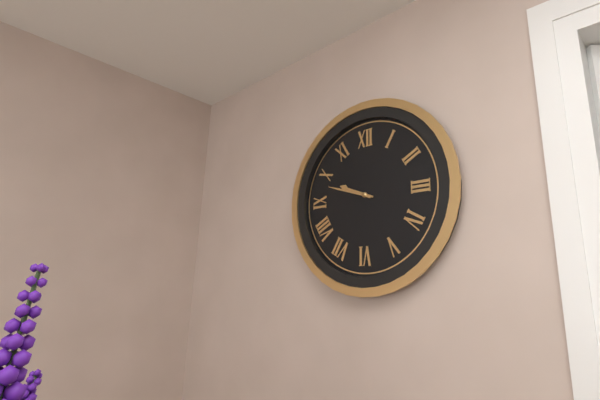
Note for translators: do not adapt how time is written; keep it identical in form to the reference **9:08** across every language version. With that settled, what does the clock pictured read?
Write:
**9:48**
